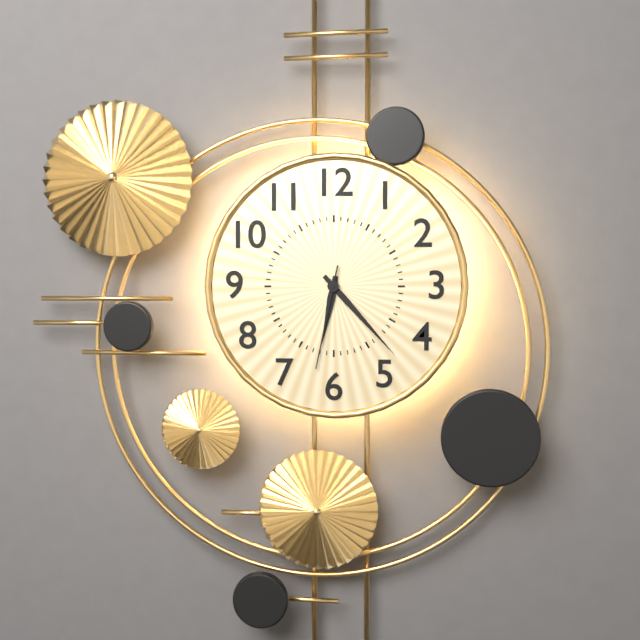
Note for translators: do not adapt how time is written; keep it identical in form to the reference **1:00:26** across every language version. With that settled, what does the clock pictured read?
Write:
**6:23:32**
